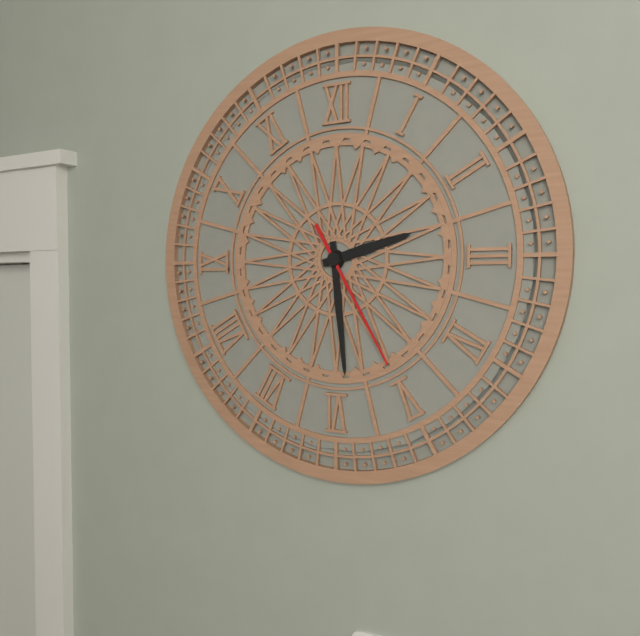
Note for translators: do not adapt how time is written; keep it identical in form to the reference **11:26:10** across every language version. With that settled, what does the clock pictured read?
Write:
**2:29:25**
